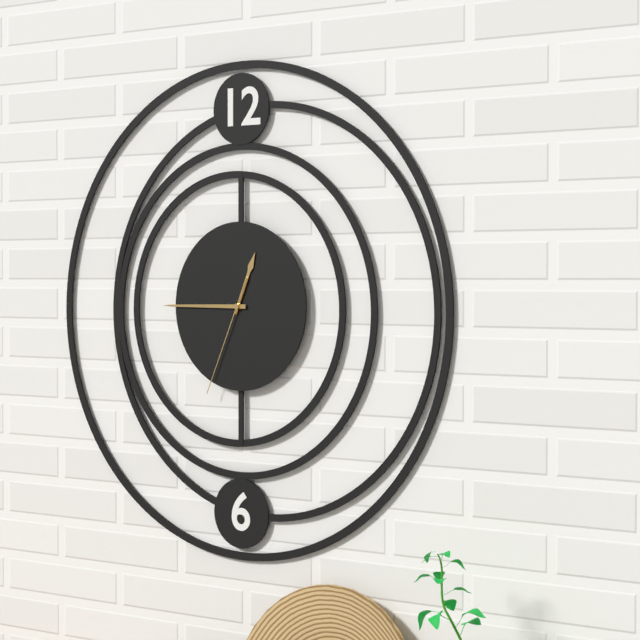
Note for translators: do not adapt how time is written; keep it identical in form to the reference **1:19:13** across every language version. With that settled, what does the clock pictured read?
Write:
**12:45:34**
